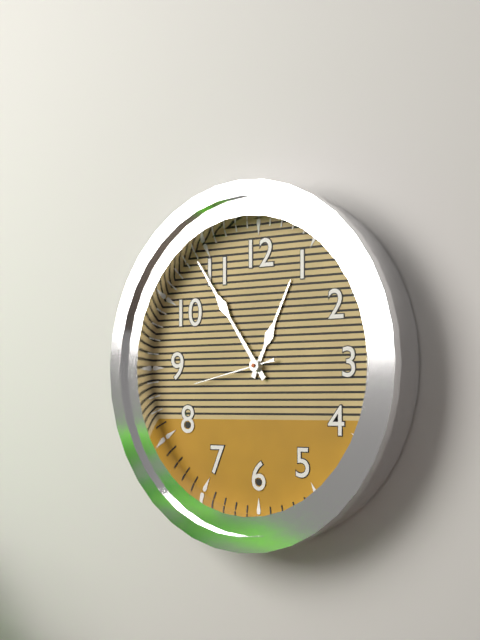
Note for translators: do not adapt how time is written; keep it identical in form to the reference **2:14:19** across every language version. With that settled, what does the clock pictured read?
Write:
**12:54:43**
